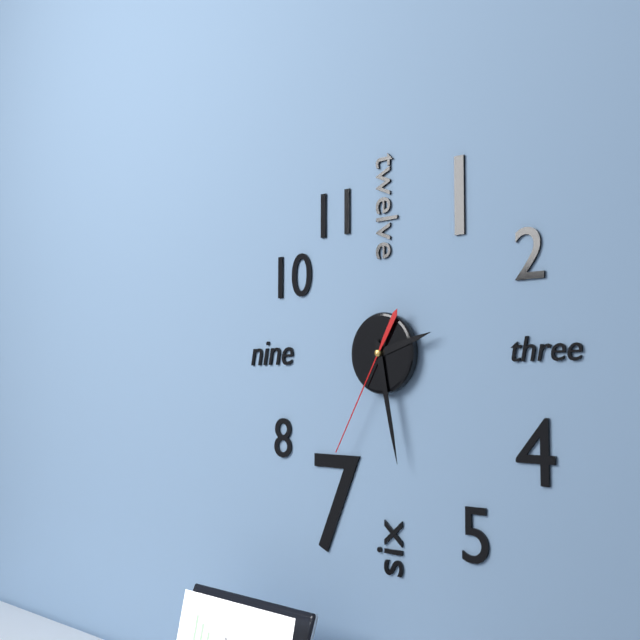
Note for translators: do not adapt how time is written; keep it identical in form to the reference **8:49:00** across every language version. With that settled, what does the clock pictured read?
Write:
**2:28:35**
